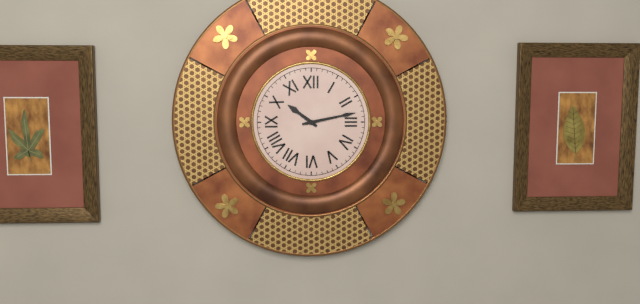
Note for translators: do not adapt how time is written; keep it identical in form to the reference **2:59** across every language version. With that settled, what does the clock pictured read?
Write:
**10:13**
